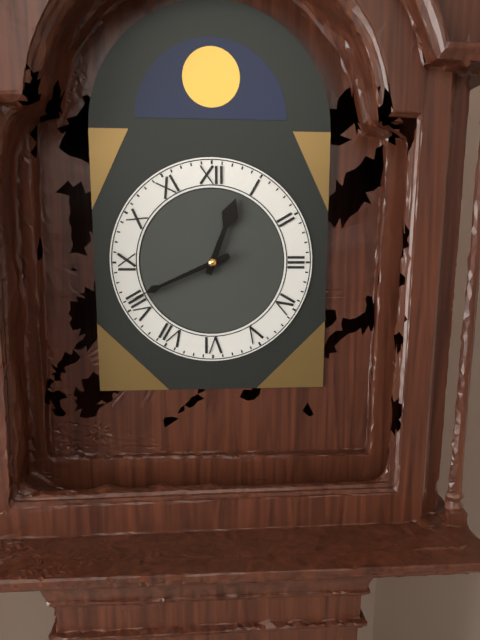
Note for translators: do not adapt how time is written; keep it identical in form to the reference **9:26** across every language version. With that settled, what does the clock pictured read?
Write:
**12:41**
